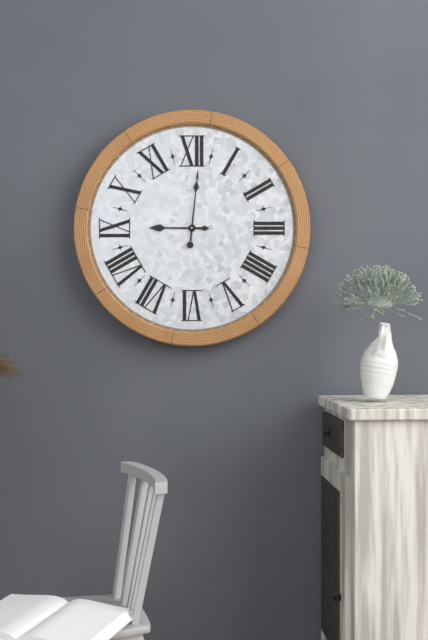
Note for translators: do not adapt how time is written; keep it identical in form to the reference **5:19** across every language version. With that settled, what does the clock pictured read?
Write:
**9:01**
